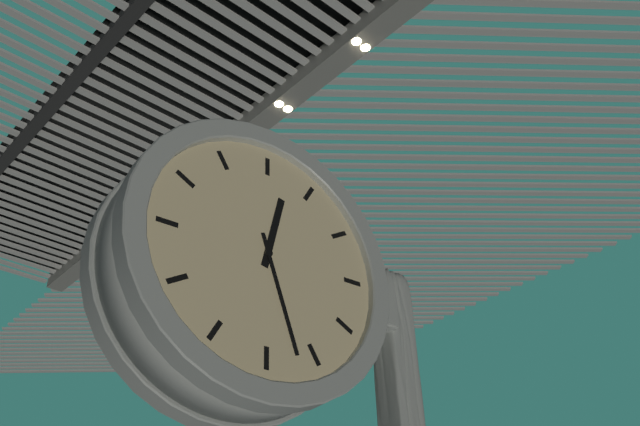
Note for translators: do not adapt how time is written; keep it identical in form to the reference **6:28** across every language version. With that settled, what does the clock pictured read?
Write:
**12:27**
